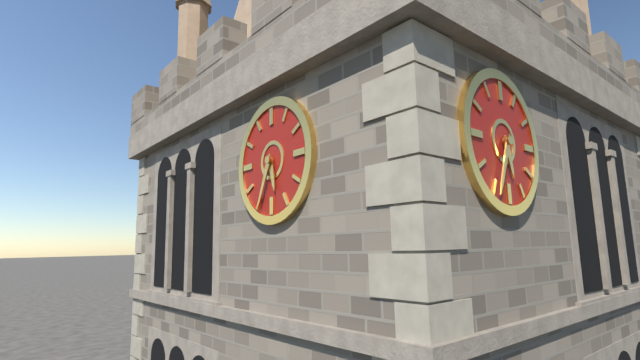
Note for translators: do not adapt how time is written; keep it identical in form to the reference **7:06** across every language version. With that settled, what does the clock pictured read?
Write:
**5:34**
